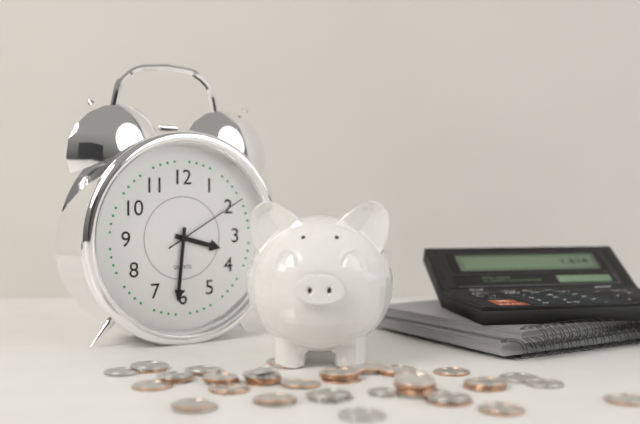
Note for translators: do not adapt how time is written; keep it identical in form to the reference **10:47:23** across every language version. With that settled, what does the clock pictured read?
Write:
**3:31:10**
